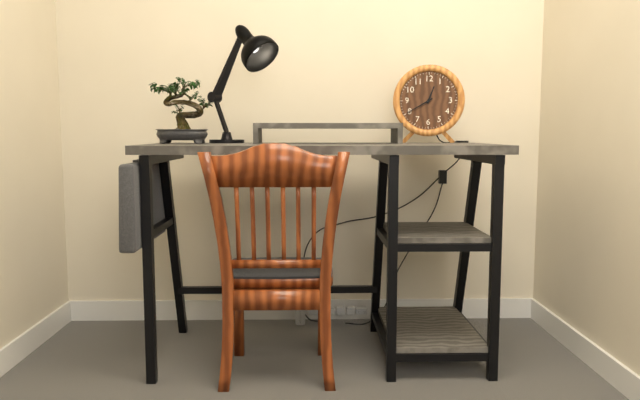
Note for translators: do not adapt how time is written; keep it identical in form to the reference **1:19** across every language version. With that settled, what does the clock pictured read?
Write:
**12:40**
